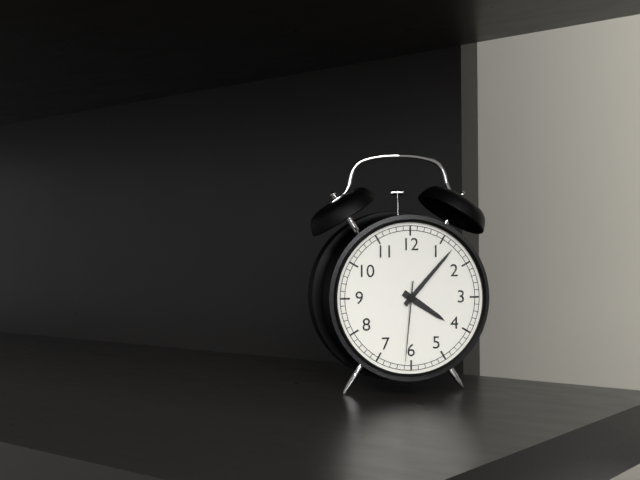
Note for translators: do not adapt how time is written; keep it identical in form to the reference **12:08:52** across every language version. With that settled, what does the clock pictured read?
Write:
**4:07:31**
